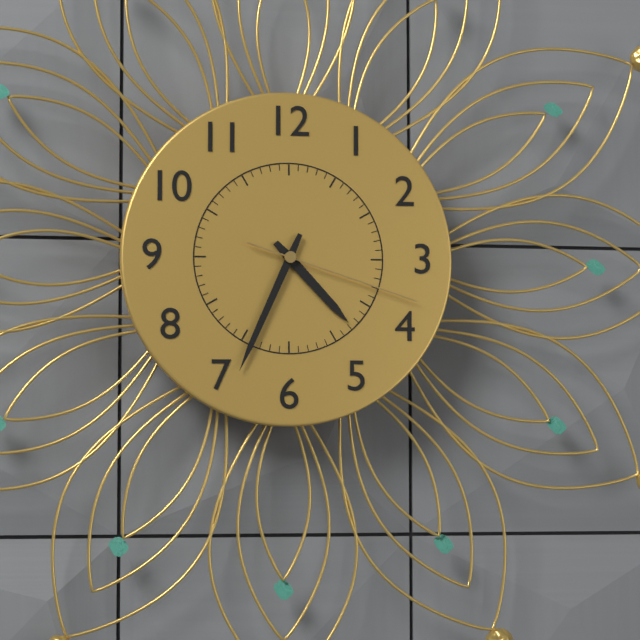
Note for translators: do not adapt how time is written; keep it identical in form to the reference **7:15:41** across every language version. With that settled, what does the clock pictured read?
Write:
**4:34:18**
